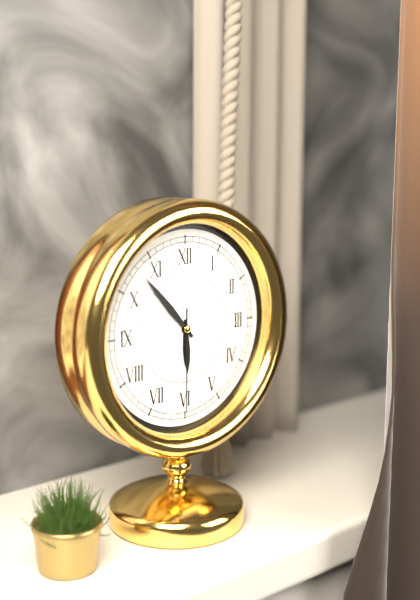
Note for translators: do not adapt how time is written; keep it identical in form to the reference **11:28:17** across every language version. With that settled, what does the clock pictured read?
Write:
**5:53:30**
